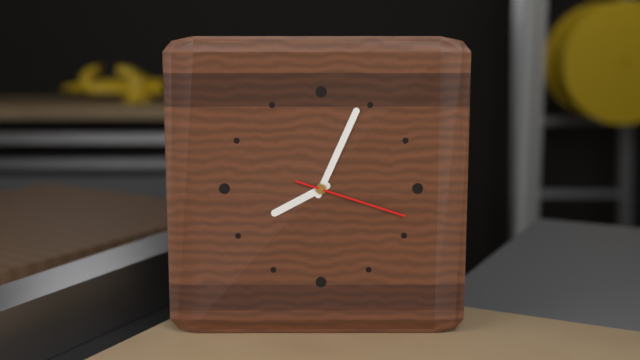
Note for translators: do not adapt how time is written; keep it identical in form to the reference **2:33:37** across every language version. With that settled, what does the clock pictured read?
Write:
**8:04:18**
